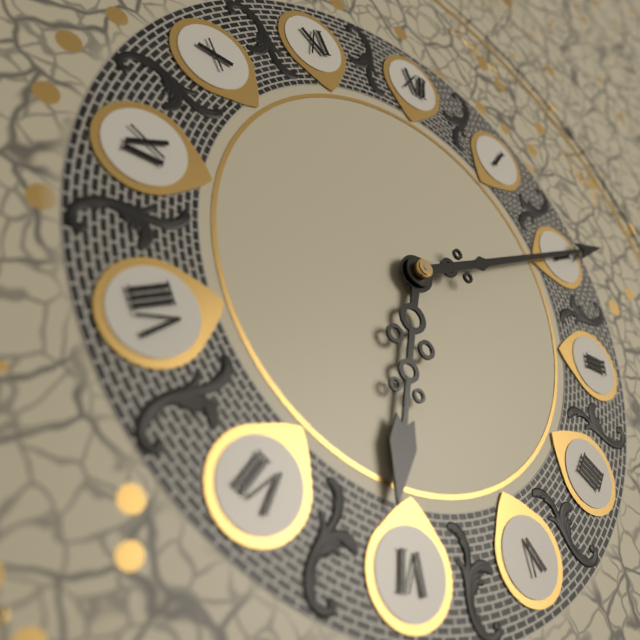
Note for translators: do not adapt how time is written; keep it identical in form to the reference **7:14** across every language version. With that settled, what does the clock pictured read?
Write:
**6:10**
